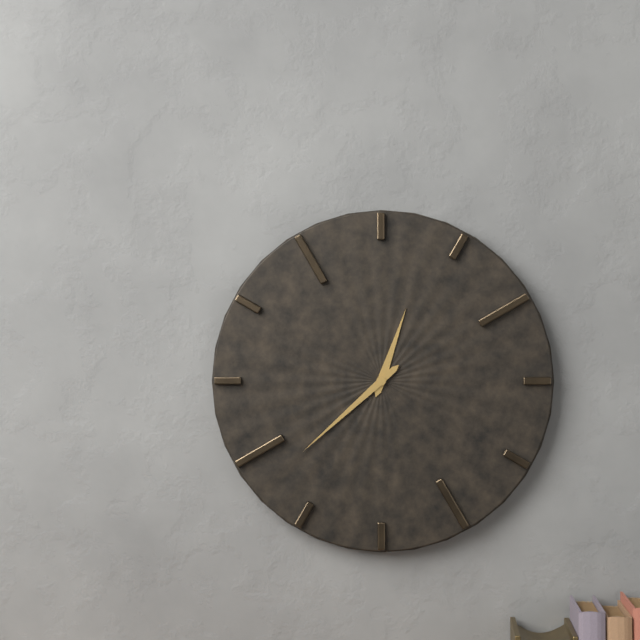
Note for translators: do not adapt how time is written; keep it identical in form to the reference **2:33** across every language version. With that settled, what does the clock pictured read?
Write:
**12:38**
